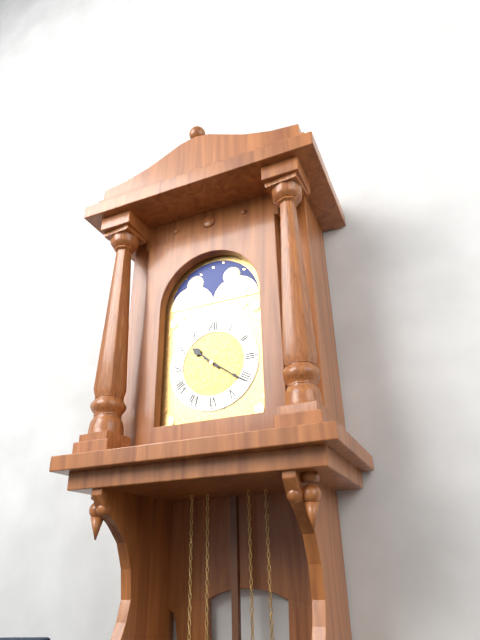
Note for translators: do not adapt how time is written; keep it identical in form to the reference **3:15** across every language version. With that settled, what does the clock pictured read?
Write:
**10:21**
